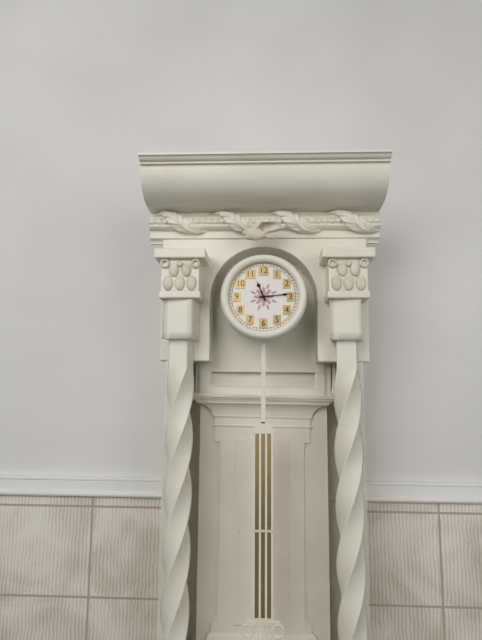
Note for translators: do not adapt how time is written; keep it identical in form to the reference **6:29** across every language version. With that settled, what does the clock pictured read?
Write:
**11:14**
